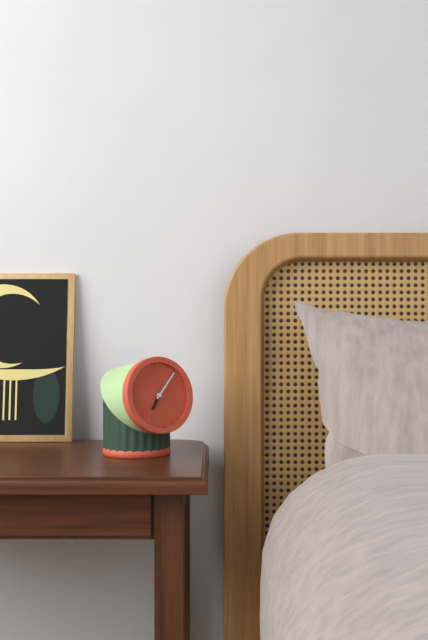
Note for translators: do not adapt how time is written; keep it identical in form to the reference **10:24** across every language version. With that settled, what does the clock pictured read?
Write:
**7:07**
